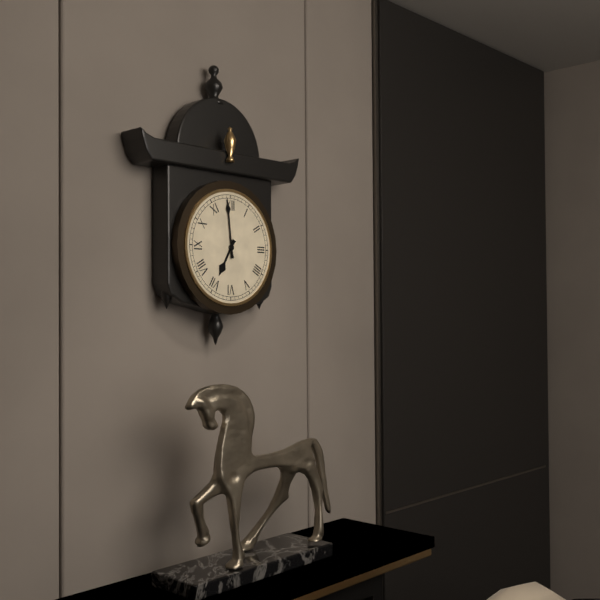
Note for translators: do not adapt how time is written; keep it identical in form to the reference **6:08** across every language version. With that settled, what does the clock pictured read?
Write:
**6:59**
